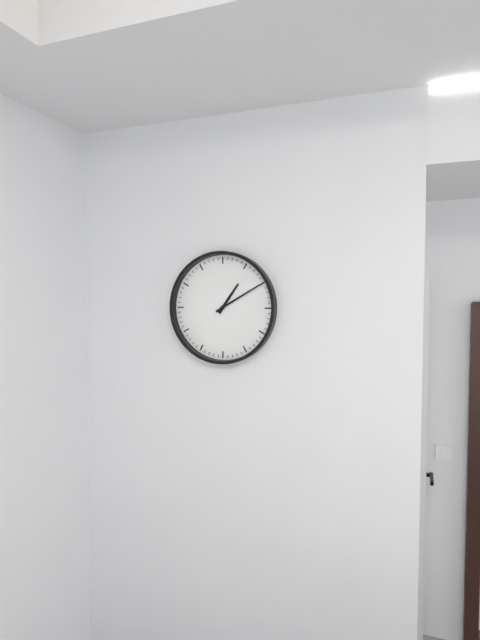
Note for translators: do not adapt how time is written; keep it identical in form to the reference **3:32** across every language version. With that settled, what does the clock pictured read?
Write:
**1:10**
